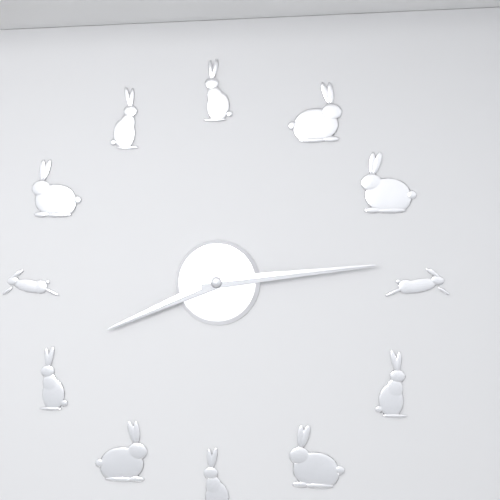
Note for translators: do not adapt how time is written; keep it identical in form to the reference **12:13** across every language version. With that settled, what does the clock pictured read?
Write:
**8:14**
